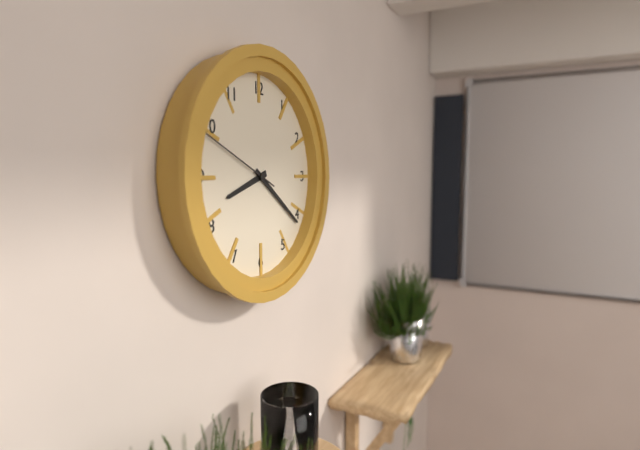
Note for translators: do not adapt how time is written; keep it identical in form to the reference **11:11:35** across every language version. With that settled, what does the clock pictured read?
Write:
**8:21:49**
